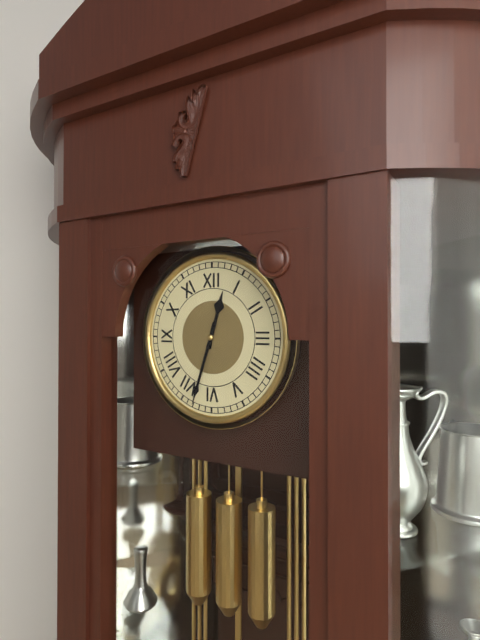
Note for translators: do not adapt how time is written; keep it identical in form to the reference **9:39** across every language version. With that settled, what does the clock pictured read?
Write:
**12:33**
